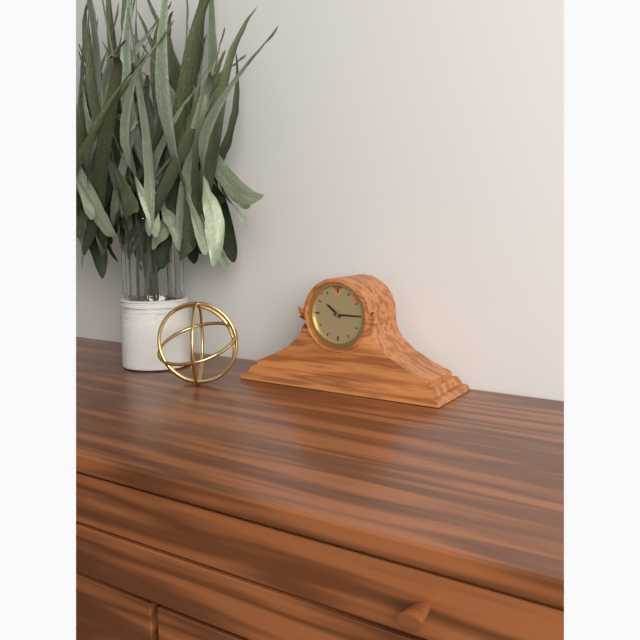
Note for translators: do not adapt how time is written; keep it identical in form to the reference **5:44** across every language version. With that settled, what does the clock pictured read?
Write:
**10:15**
